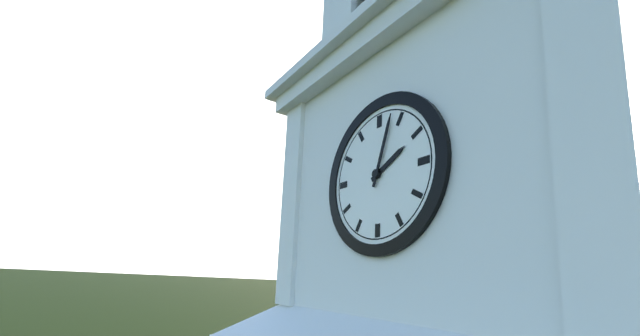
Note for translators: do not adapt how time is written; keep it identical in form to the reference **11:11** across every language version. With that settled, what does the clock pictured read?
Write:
**2:03**
